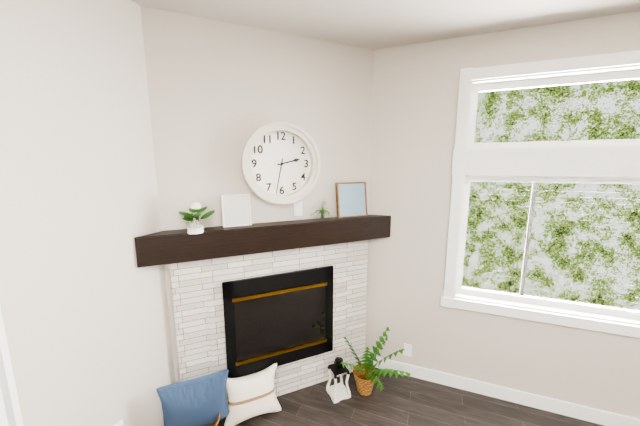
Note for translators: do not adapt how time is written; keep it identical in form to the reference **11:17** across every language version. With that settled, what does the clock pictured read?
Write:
**2:32**
